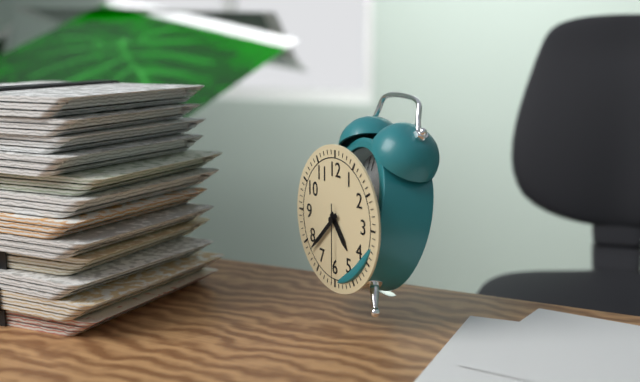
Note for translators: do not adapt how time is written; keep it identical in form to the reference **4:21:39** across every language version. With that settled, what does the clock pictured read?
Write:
**4:38:30**
